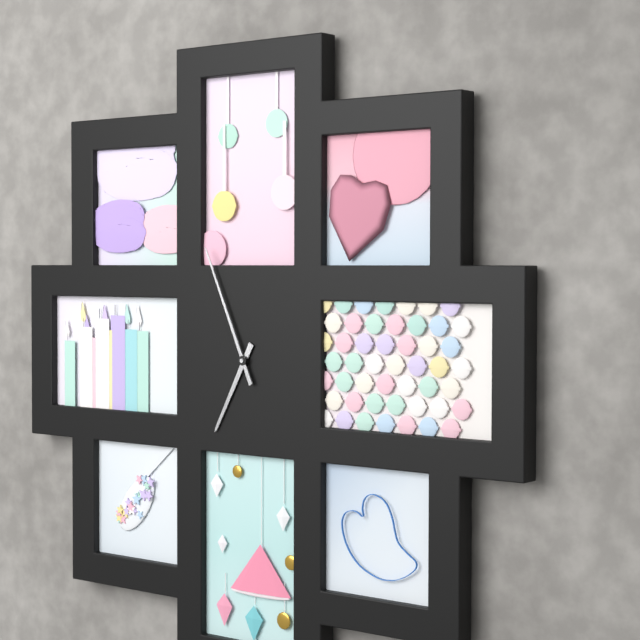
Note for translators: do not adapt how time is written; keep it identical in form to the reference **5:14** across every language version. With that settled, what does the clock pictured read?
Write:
**6:56**
